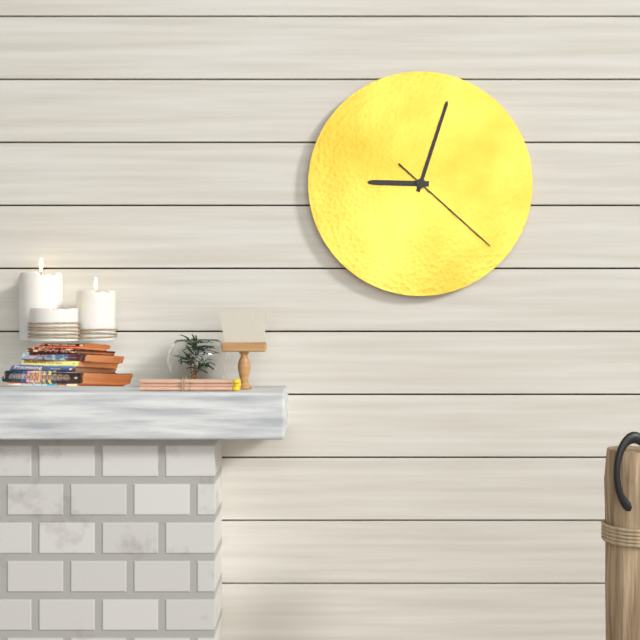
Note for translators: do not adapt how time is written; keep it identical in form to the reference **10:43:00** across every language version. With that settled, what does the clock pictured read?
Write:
**9:03:22**
